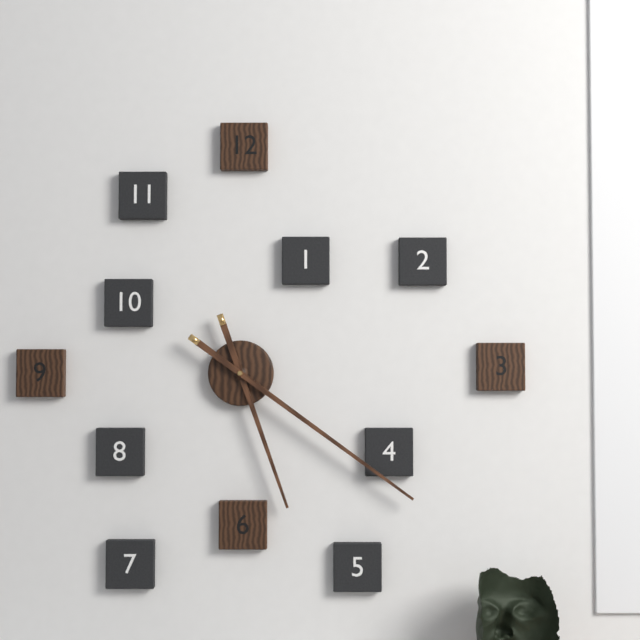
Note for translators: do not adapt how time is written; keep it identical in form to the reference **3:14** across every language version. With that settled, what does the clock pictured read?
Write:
**5:21**
